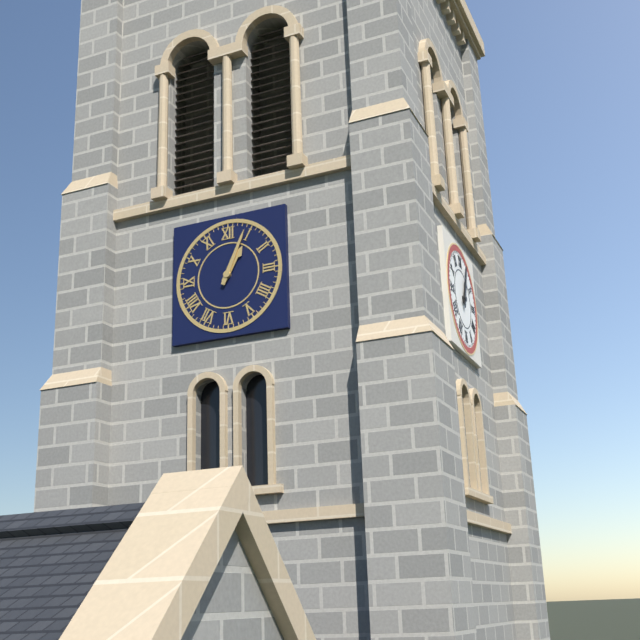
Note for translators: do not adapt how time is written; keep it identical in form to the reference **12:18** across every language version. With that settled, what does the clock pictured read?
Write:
**1:04**
